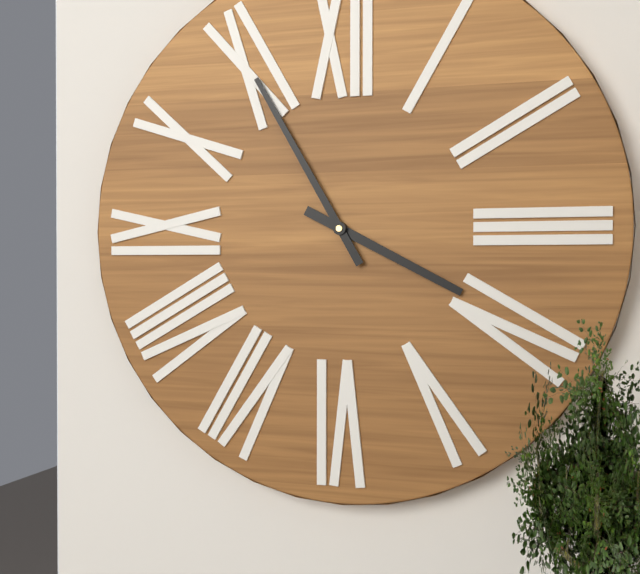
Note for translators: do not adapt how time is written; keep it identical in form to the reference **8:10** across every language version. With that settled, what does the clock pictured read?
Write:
**3:55**
